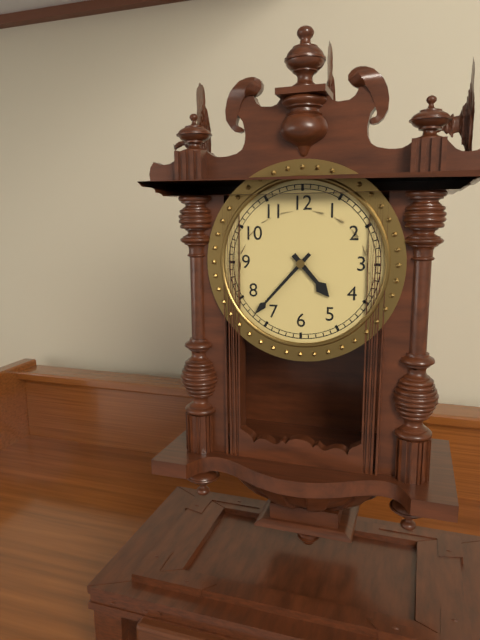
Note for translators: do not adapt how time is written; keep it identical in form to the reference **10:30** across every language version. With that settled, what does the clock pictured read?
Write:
**4:37**
